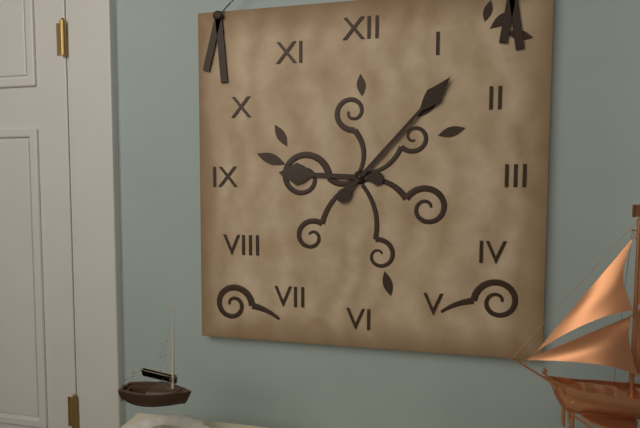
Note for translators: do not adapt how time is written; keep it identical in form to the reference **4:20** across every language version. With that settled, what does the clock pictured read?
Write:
**9:07**
